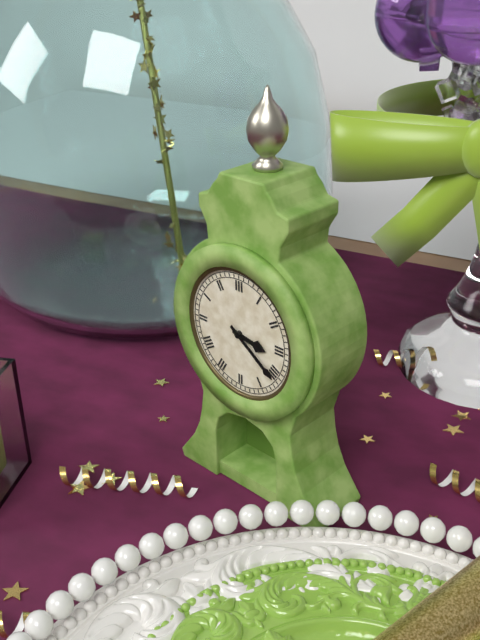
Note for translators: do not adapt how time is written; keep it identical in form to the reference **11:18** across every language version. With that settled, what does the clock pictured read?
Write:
**3:21**
